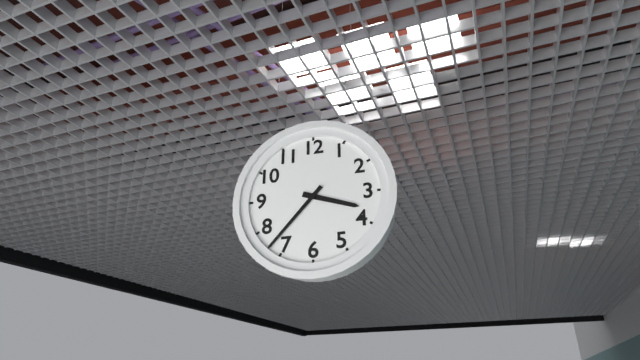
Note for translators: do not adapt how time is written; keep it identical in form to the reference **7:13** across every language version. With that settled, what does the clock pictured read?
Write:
**3:37**
